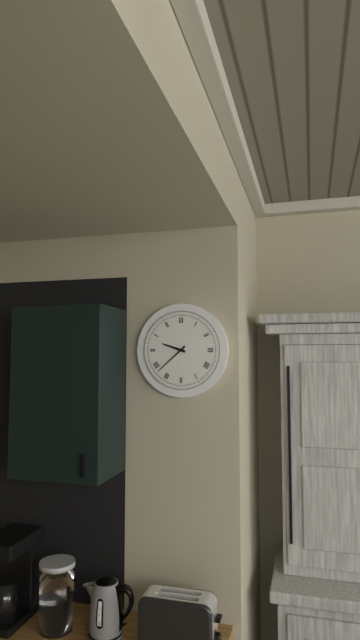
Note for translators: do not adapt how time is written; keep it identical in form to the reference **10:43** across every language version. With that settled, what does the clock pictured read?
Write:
**9:38**
